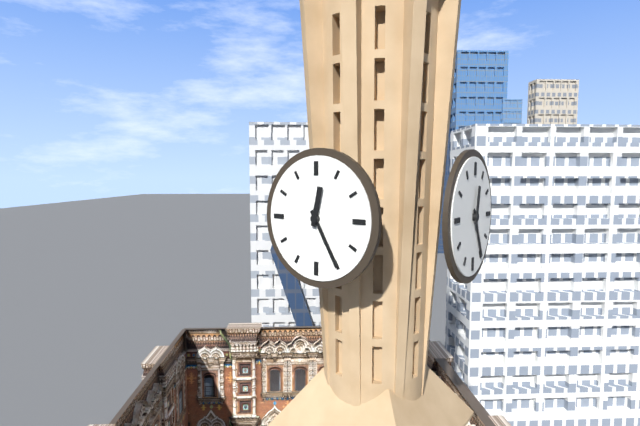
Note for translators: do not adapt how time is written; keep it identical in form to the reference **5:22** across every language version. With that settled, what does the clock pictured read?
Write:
**12:25**
